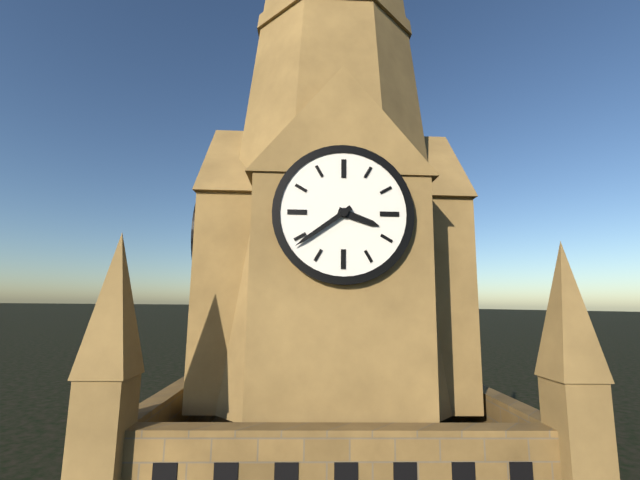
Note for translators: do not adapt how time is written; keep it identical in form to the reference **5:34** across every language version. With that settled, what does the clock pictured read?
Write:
**3:39**
